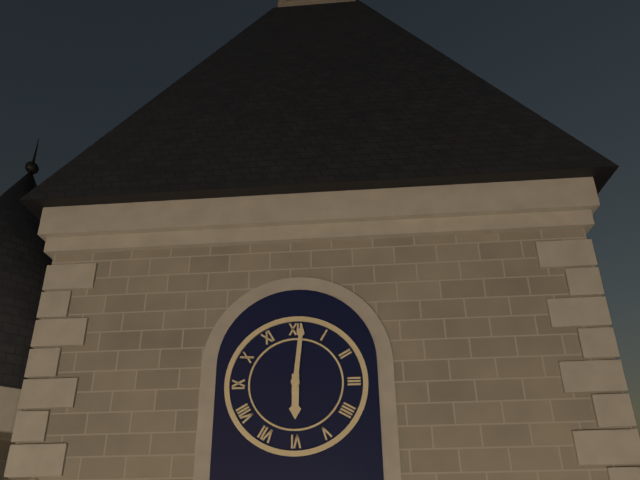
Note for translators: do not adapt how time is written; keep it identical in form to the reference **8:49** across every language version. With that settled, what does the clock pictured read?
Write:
**6:01**
